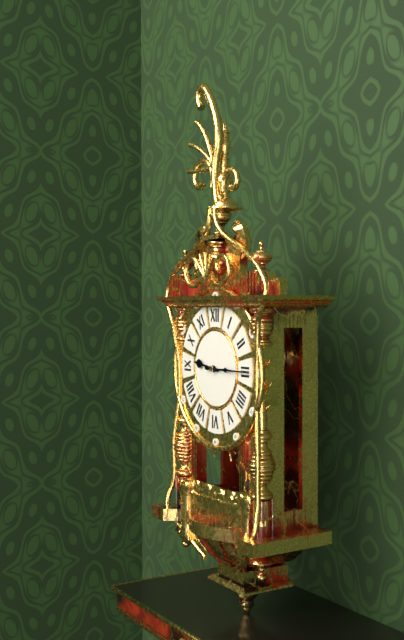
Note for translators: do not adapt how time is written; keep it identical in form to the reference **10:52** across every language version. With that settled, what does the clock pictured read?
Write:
**9:15**
